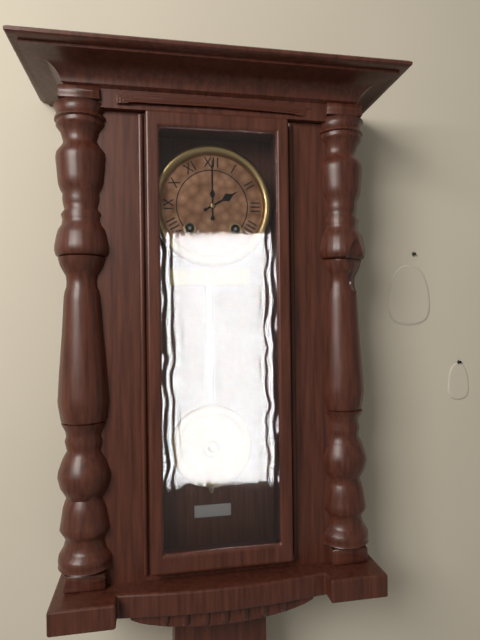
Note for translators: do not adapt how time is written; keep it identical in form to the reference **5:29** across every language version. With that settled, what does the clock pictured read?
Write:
**2:00**
